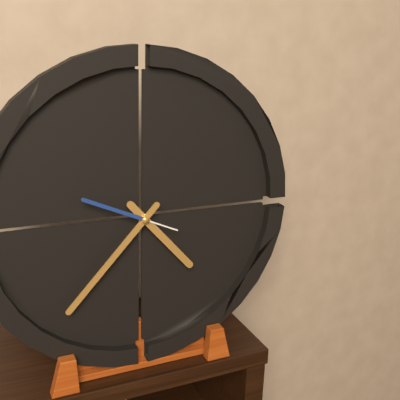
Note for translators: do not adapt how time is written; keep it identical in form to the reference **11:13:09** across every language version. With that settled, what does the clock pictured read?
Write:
**4:37:49**
